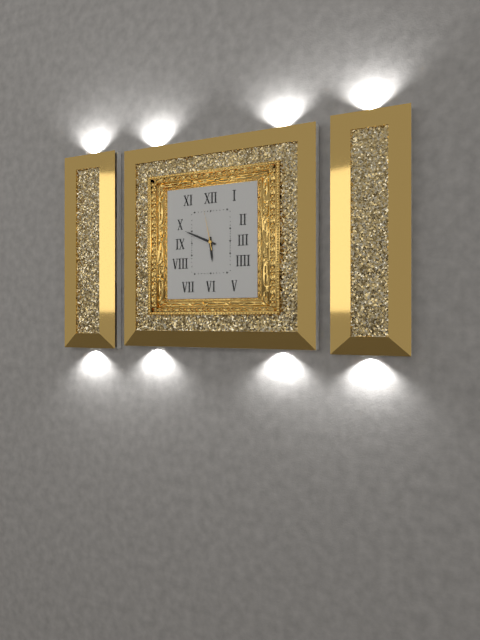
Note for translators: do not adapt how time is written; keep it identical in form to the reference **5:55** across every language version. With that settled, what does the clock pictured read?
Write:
**5:49**
